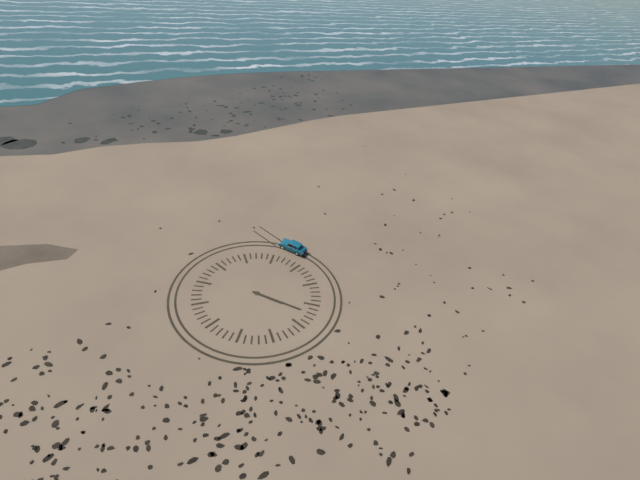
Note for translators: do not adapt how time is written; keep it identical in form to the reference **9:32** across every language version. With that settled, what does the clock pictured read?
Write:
**5:27**
